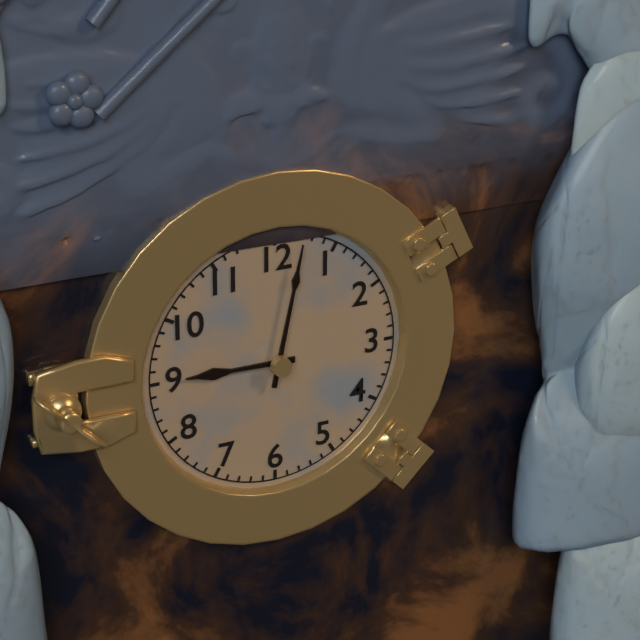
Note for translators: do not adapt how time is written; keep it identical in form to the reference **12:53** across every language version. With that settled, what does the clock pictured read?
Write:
**9:02**
